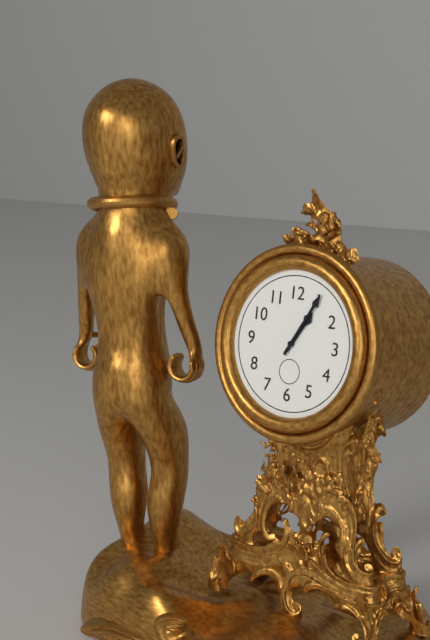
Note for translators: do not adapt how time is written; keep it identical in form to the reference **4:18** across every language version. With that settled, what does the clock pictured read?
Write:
**1:05**
